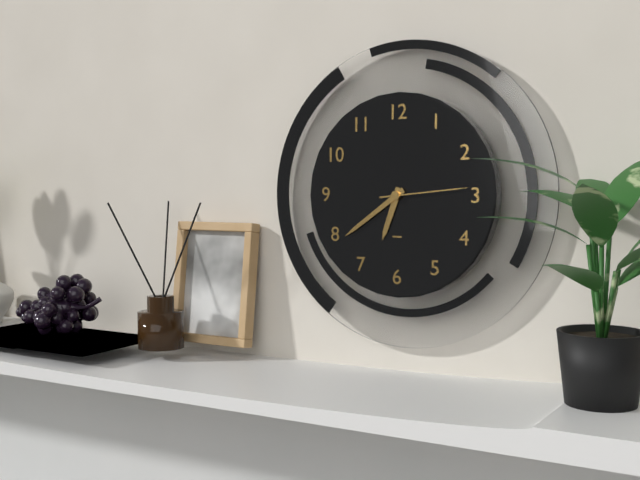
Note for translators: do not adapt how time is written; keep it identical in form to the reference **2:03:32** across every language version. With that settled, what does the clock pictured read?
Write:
**6:39:14**
